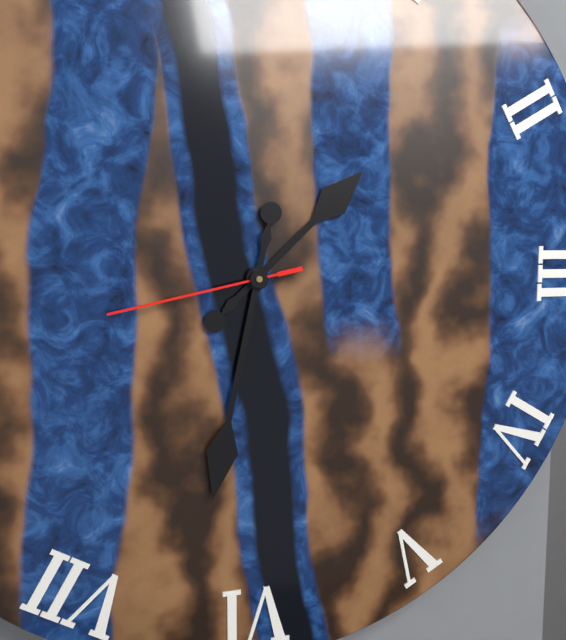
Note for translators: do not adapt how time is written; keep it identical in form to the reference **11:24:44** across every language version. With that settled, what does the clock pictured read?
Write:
**1:32:43**
